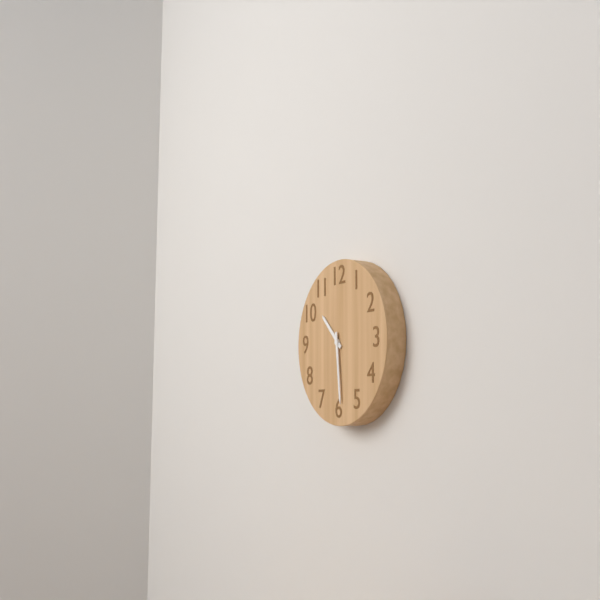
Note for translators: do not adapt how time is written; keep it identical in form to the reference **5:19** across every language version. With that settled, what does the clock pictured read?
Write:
**10:29**
